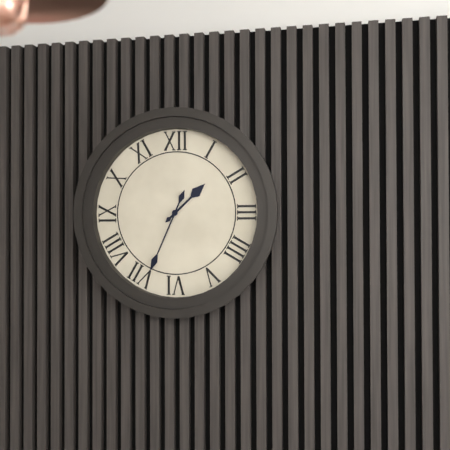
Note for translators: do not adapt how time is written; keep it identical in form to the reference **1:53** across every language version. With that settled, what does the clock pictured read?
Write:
**1:34**
